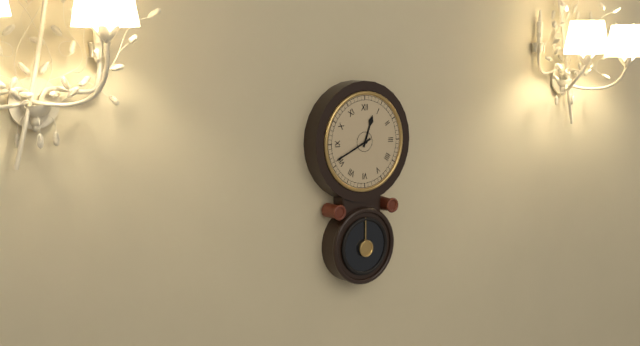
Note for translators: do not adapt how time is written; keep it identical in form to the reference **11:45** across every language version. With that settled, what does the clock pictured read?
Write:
**12:41**
